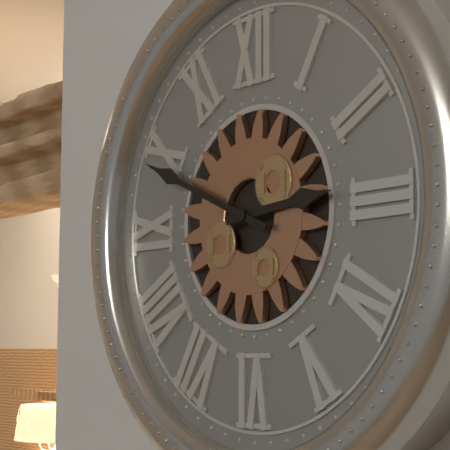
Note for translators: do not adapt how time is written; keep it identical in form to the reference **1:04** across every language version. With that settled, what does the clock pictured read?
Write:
**2:49**
